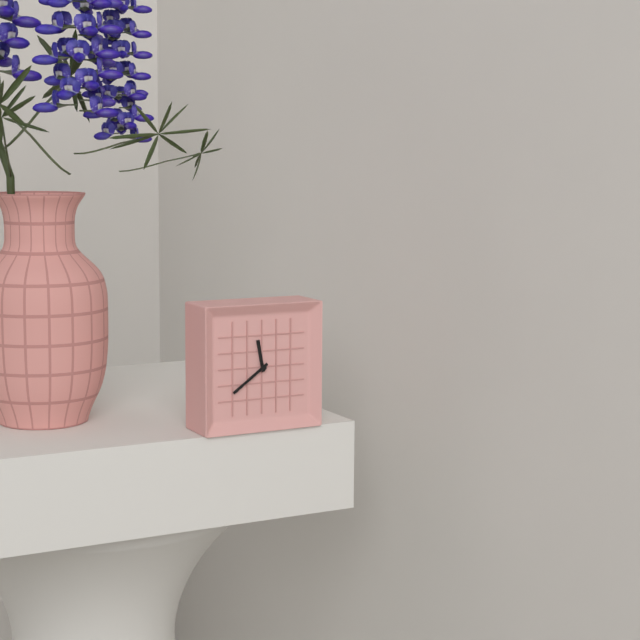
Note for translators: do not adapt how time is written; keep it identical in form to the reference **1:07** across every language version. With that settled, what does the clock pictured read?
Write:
**11:39**
